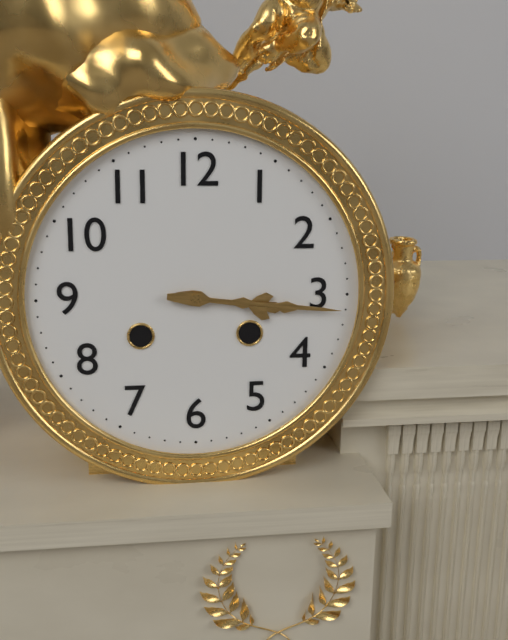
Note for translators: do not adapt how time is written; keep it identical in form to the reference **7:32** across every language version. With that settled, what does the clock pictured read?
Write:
**3:16**
